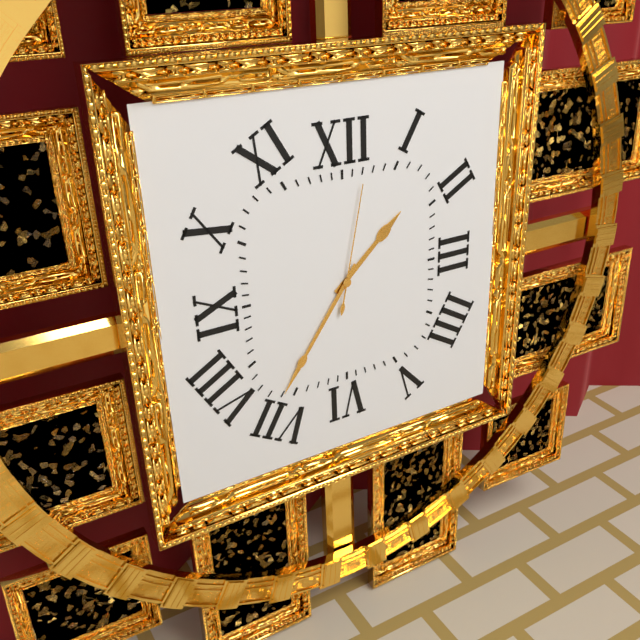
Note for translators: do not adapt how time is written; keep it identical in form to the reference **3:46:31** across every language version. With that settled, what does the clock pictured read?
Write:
**1:36:02**
